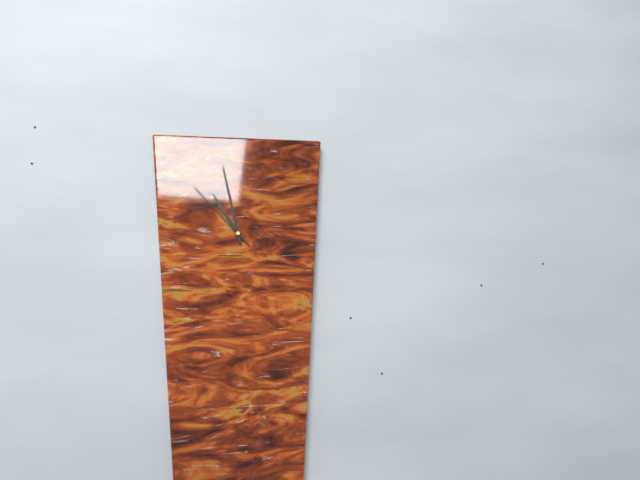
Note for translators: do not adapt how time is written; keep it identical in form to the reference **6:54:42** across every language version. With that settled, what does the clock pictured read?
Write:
**10:58:53**
